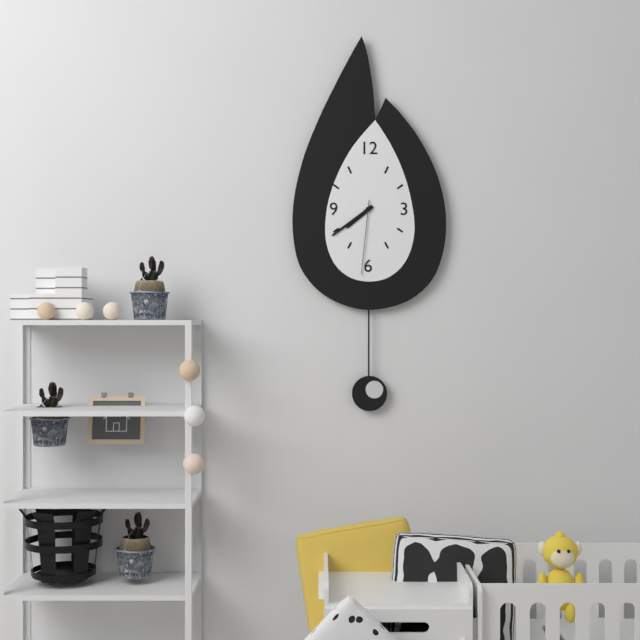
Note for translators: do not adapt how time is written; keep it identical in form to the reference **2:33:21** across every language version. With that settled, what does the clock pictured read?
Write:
**7:39:31**
